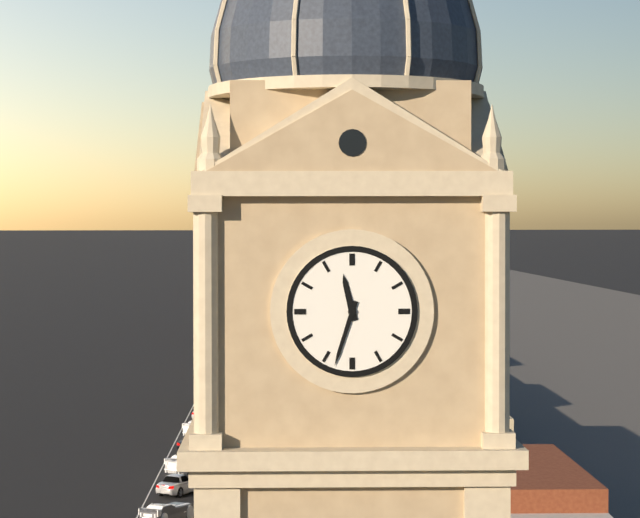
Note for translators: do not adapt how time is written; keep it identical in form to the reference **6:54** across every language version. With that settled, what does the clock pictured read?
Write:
**11:33**
